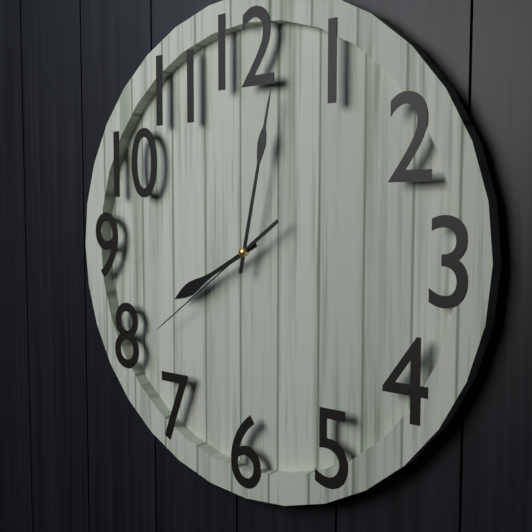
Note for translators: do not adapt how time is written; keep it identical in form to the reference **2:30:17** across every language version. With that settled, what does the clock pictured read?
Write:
**8:02:39**
